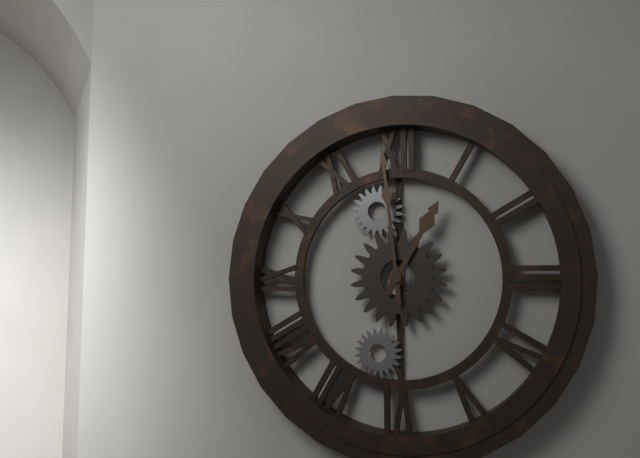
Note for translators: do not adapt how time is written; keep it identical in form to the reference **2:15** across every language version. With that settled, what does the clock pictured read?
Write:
**12:59**
